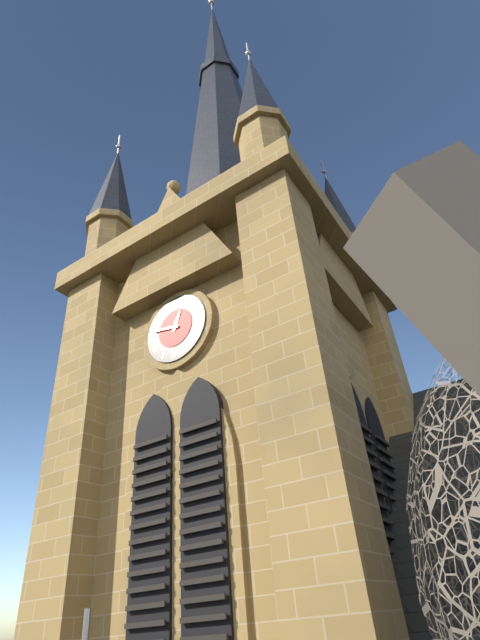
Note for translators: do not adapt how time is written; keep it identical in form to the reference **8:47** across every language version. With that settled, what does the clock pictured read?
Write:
**12:47**
